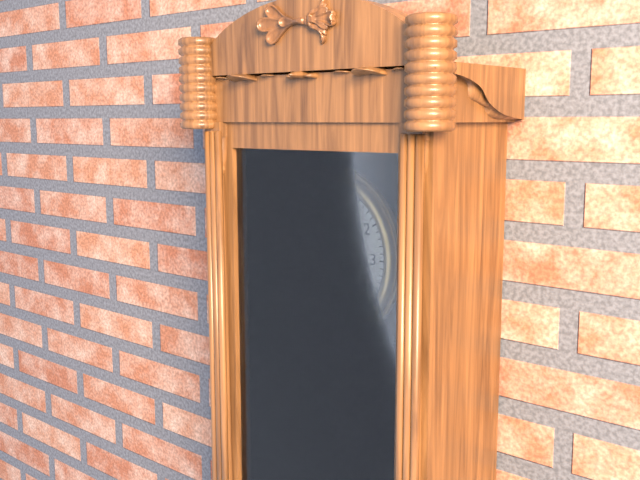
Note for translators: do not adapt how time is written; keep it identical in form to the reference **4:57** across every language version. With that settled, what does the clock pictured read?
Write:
**11:49**
